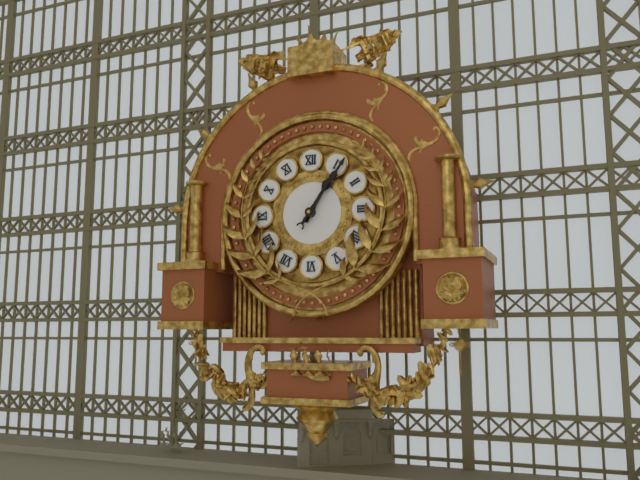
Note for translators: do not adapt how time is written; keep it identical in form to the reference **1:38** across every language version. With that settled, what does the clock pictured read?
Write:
**1:06**
